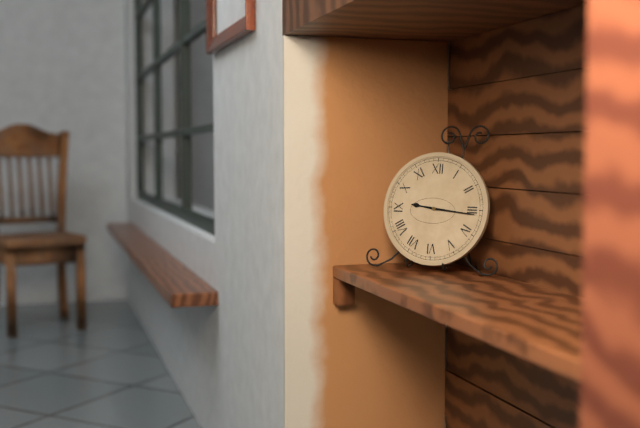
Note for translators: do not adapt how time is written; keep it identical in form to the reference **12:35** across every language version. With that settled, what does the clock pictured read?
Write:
**9:16**
